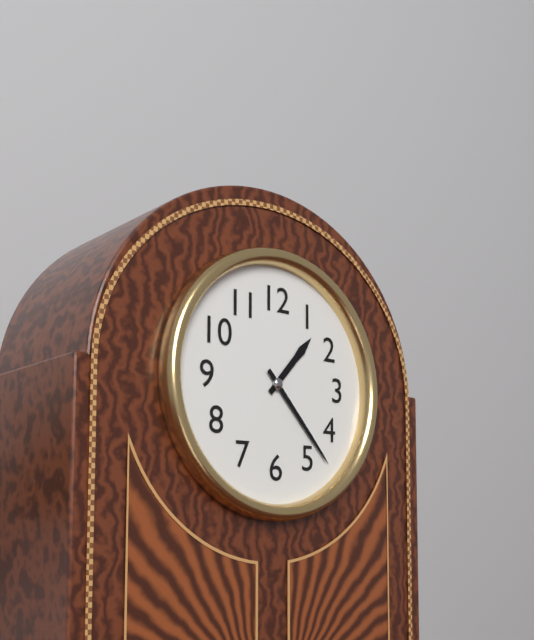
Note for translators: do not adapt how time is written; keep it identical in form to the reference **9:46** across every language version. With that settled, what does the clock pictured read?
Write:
**1:23**
